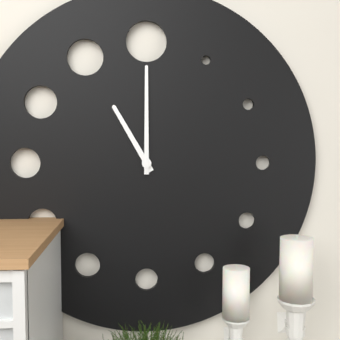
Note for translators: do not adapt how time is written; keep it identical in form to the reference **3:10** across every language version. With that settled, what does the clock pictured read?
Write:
**11:00**
